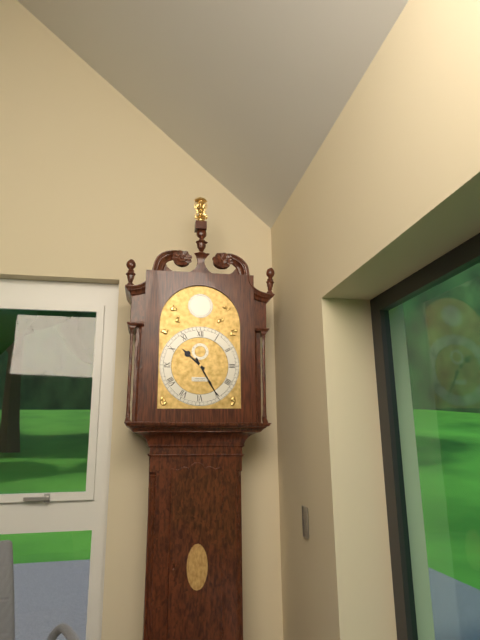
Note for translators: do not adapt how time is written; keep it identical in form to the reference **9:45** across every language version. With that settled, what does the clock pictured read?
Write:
**10:25**
